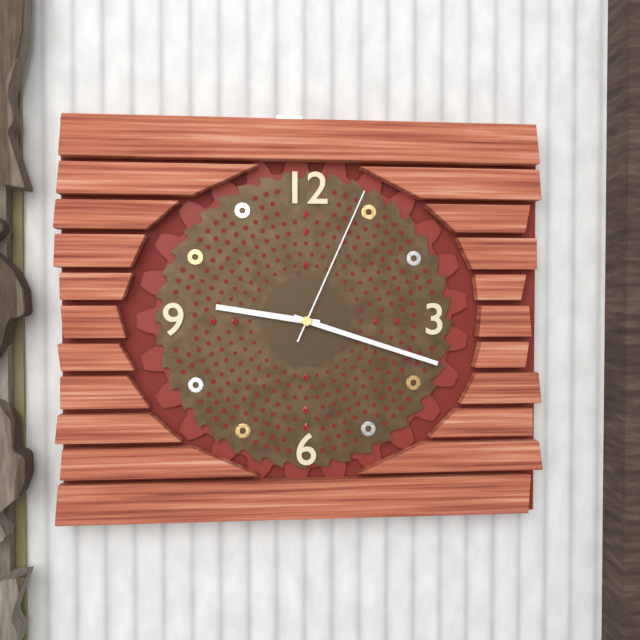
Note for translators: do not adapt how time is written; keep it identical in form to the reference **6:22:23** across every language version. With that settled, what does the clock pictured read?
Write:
**9:18:04**
